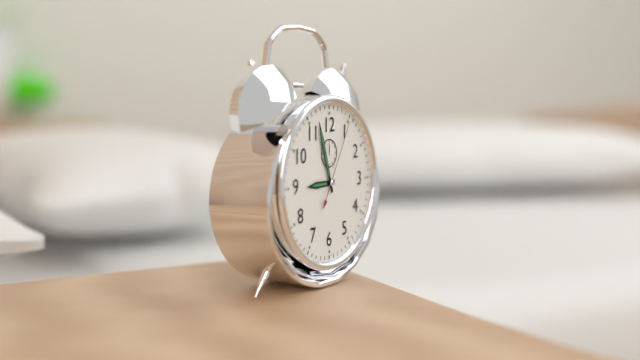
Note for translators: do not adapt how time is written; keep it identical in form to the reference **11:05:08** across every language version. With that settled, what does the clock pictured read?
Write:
**8:57:05**
